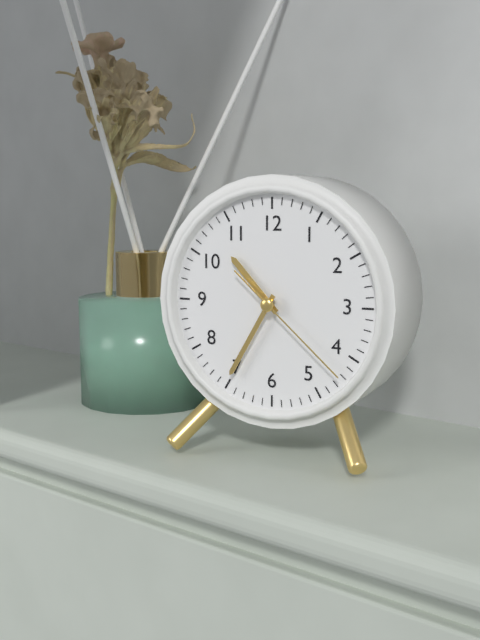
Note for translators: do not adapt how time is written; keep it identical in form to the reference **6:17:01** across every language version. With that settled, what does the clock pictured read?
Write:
**10:35:22**
